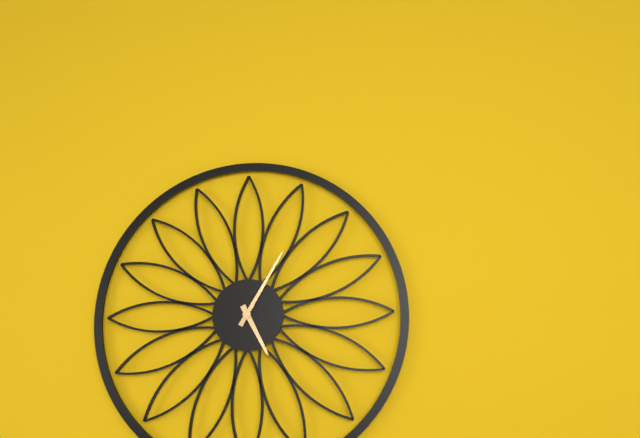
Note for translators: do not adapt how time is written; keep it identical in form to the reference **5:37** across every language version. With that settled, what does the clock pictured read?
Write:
**5:05**
